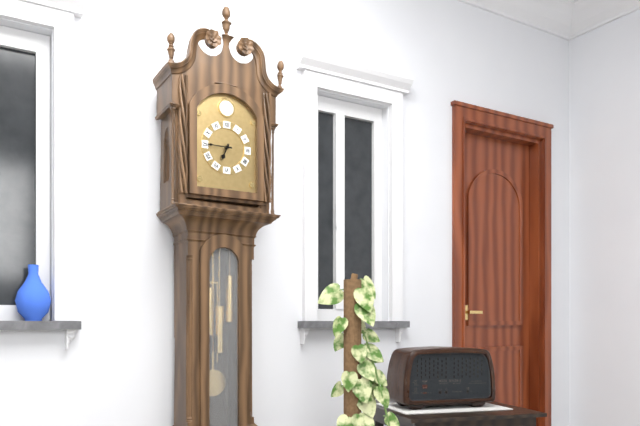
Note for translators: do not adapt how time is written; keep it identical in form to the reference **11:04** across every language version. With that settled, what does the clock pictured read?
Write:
**6:45**
